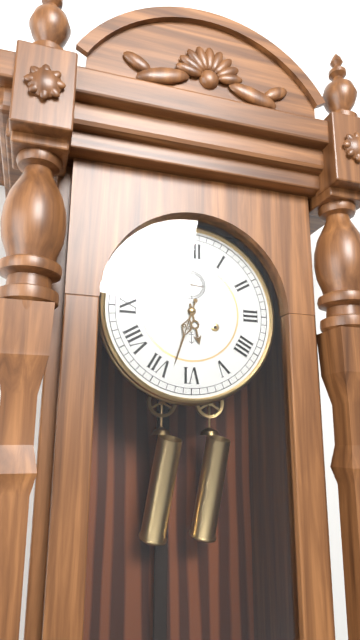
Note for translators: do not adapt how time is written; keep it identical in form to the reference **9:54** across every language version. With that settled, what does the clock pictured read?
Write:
**5:33**
